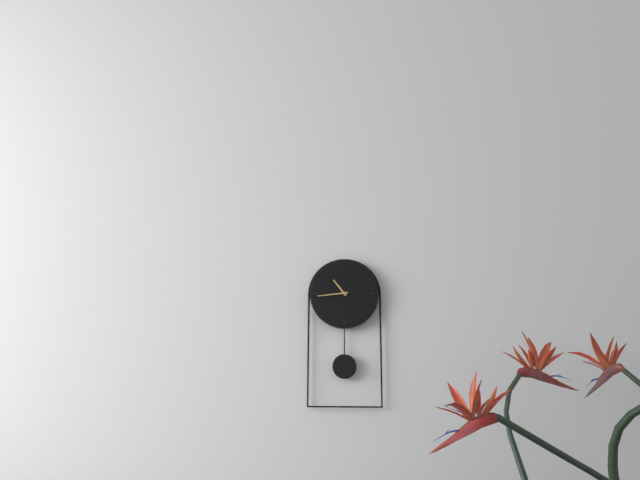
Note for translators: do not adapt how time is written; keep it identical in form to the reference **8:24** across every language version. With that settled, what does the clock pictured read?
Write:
**10:44**
